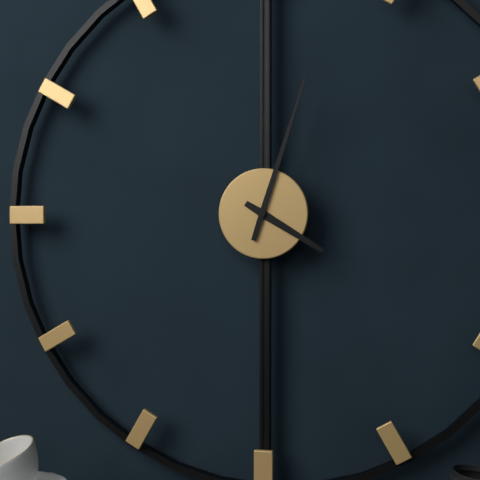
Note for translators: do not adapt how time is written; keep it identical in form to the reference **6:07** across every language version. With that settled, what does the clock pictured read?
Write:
**4:03**
